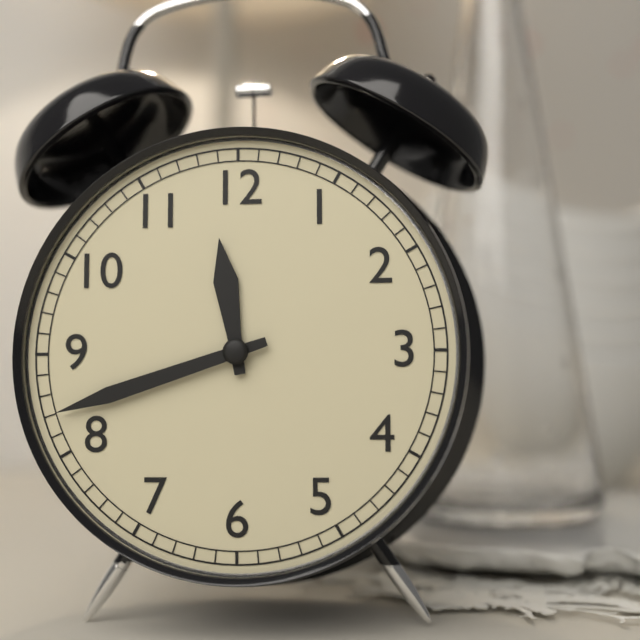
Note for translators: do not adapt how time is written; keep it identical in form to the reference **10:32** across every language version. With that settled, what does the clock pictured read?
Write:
**11:42**
